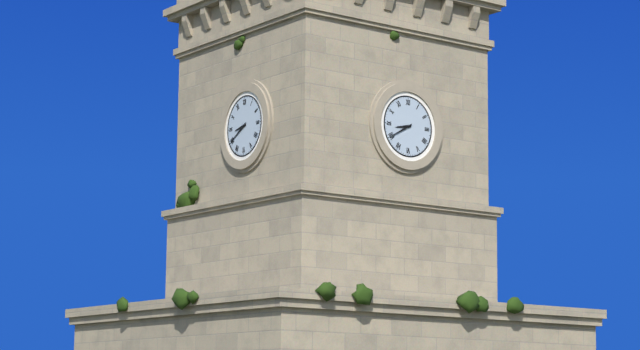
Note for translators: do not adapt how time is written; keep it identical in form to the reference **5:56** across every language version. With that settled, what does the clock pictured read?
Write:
**8:40**
